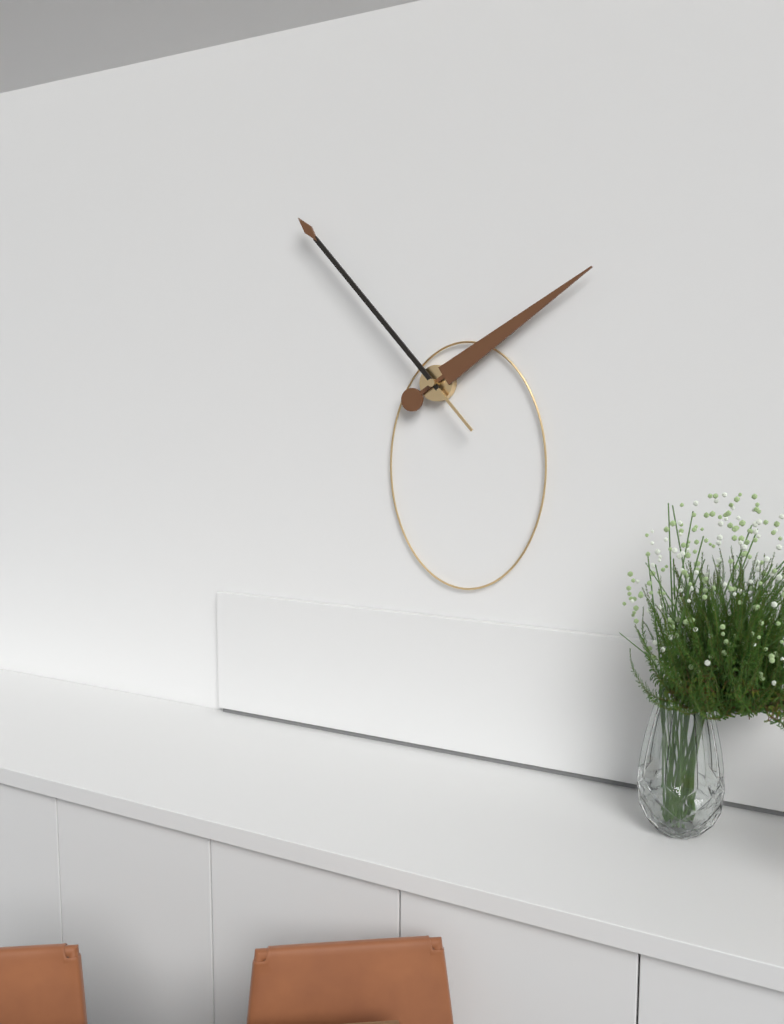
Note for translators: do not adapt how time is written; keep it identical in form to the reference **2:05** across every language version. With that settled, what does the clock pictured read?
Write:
**1:53**
